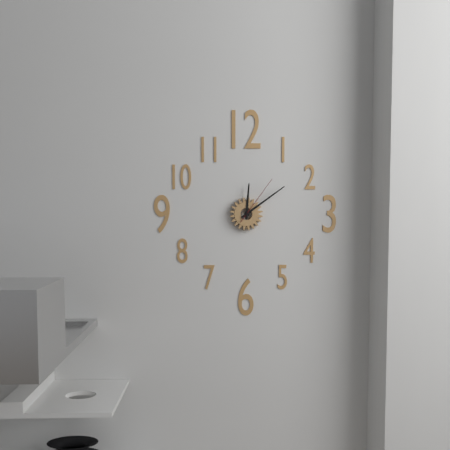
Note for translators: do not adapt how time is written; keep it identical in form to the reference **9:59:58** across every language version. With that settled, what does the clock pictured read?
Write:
**12:09:06**
